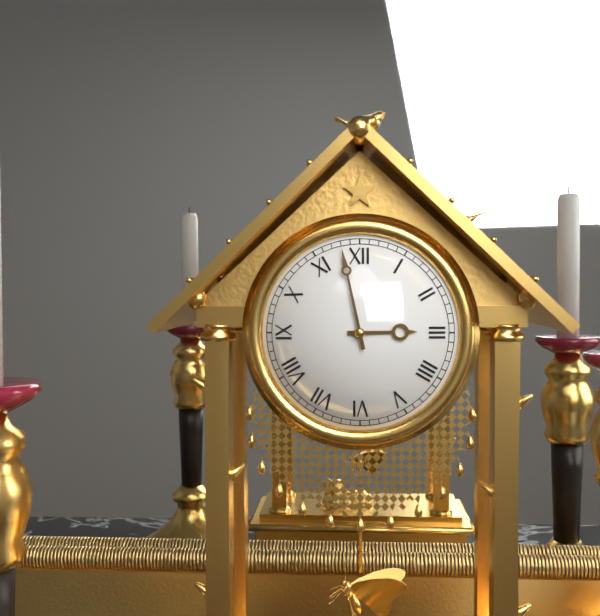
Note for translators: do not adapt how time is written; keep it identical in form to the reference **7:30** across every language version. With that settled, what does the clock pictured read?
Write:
**2:58**
